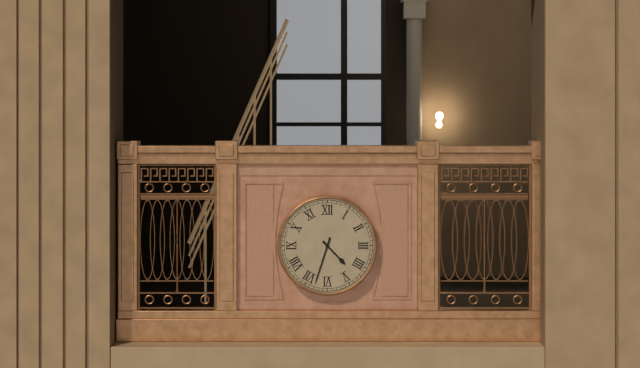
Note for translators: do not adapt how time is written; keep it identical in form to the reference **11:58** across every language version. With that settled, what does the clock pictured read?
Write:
**4:33**
